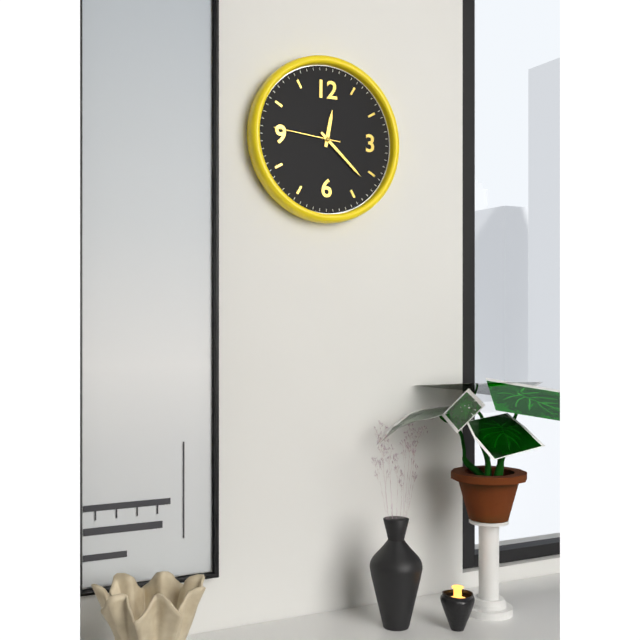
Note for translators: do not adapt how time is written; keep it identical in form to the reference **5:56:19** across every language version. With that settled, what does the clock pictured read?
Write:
**12:22:46**
